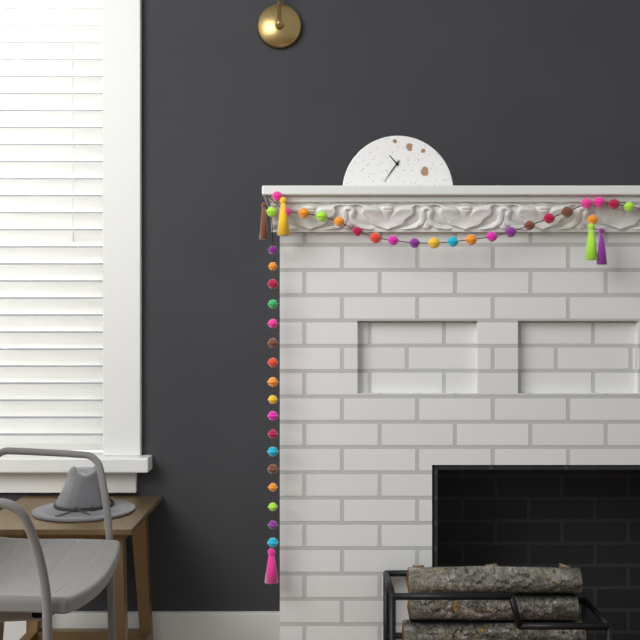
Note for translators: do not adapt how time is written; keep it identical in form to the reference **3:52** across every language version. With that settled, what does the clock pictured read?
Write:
**10:36**
